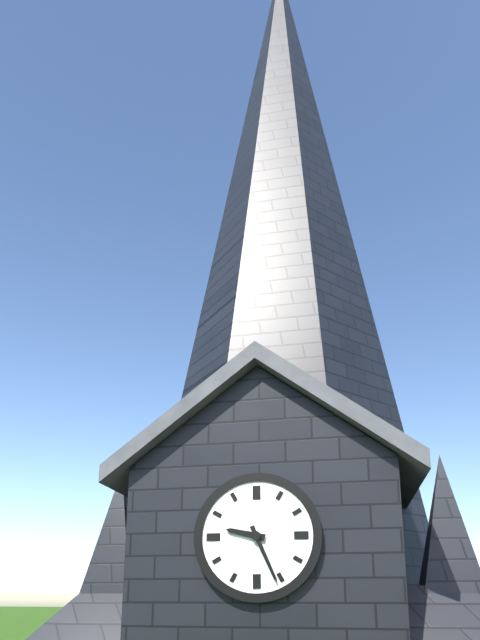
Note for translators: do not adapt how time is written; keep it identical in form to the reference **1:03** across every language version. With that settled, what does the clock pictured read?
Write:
**9:26**
